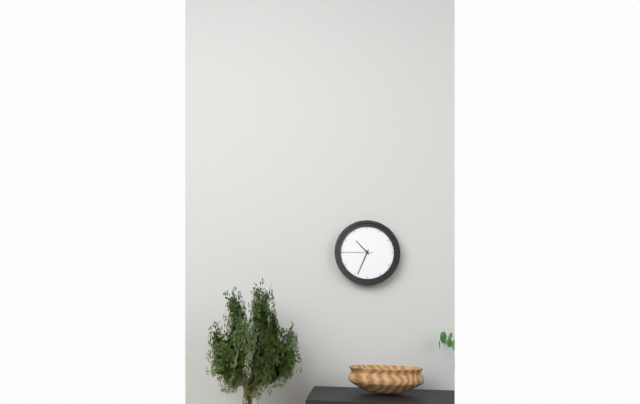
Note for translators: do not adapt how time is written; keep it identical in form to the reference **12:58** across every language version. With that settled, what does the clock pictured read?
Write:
**10:34**
